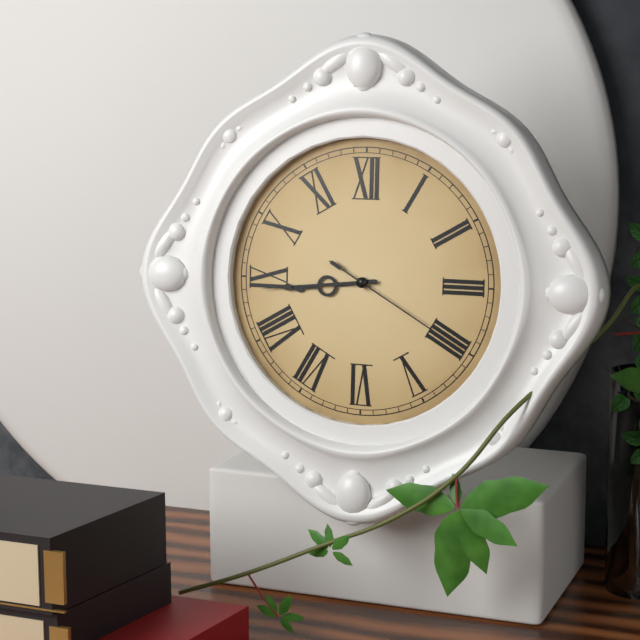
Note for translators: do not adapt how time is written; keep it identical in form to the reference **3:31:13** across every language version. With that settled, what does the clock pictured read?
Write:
**8:44:20**
